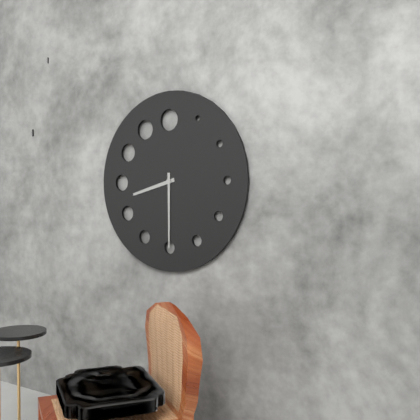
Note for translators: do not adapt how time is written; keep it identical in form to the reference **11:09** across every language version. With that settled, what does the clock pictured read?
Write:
**8:30**
